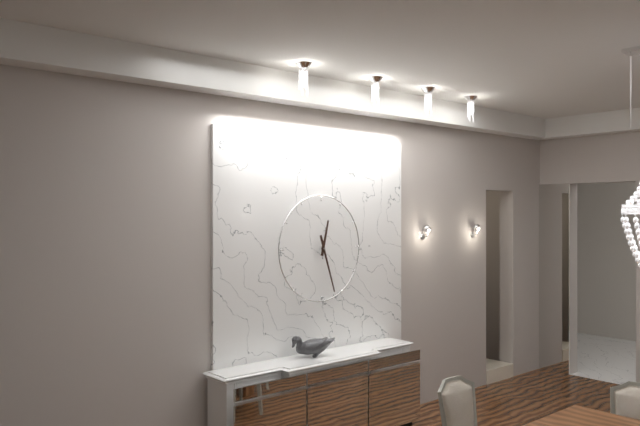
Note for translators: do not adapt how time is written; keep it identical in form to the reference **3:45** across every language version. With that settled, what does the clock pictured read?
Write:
**12:27**
